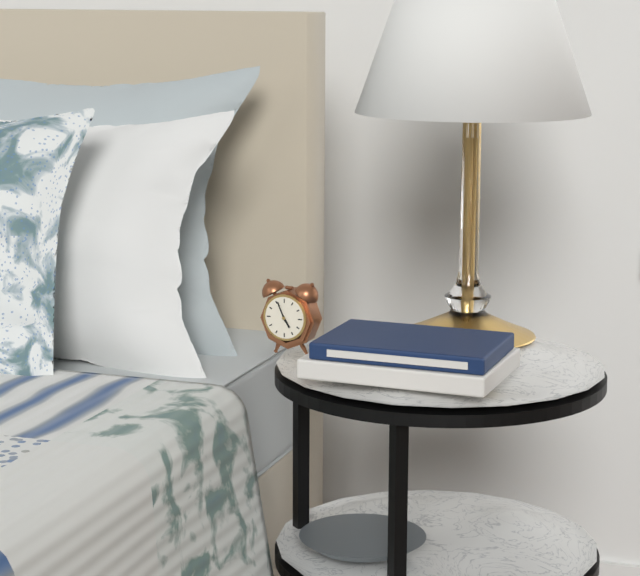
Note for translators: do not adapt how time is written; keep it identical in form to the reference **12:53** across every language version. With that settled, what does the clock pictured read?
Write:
**4:56**
